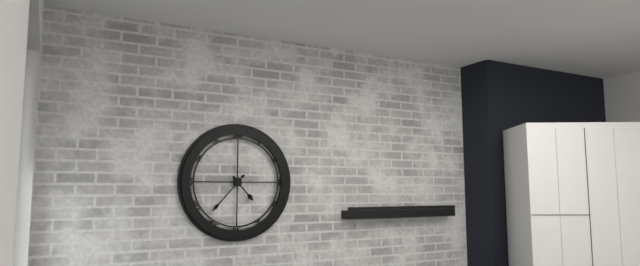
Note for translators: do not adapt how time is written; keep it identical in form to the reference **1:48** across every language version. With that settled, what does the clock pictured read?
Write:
**4:37**
